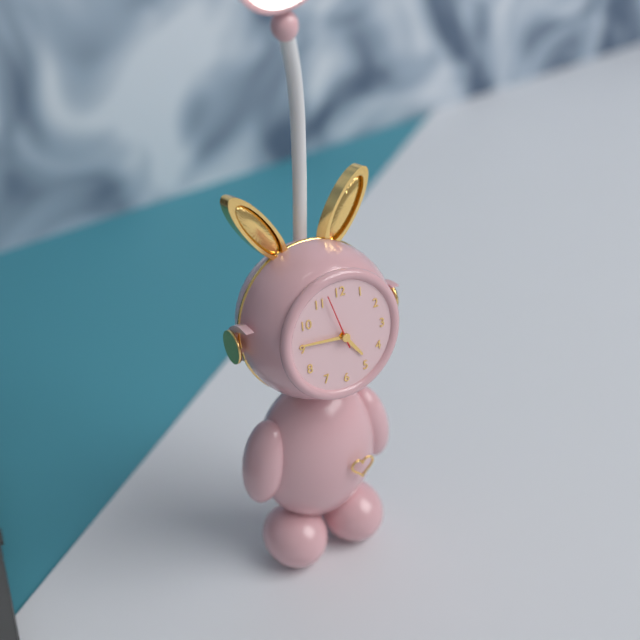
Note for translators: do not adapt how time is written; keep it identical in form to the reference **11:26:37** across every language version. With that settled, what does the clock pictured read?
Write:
**4:46:57**
